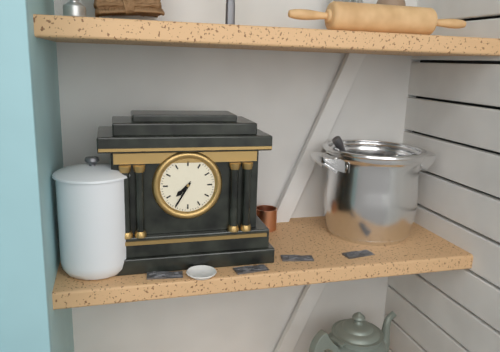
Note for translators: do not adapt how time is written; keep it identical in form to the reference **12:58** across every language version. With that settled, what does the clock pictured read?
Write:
**7:35**
